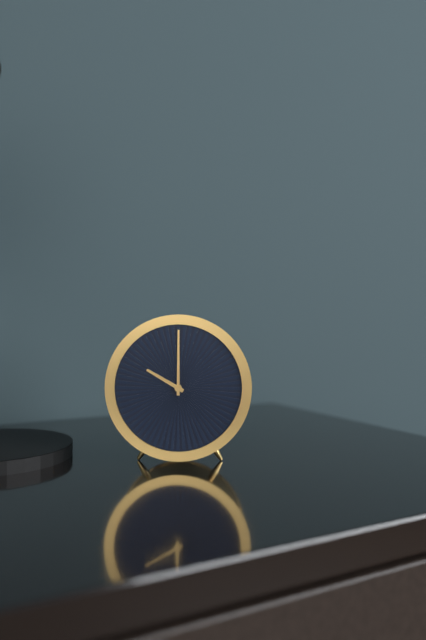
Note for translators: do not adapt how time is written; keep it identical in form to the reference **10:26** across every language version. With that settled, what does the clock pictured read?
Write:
**10:00**
